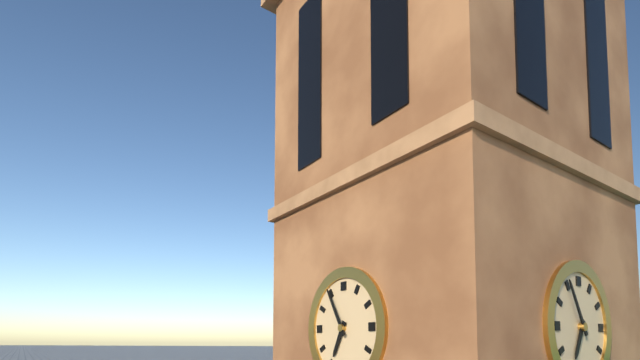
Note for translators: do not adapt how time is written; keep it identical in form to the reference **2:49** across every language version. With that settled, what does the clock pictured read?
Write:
**6:55**
